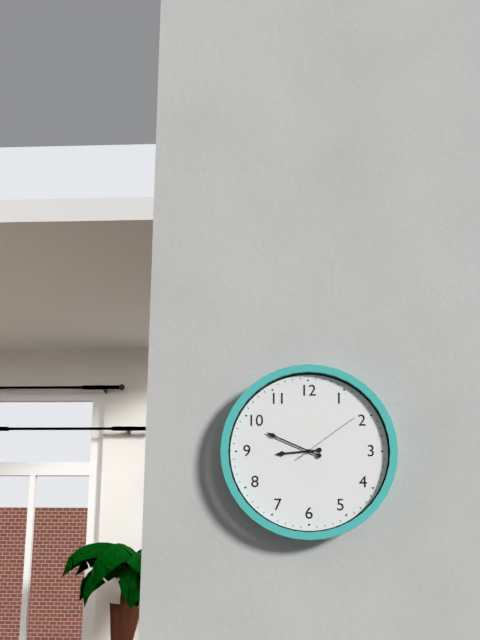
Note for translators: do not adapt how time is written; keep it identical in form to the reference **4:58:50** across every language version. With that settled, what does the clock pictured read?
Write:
**8:49:09**
